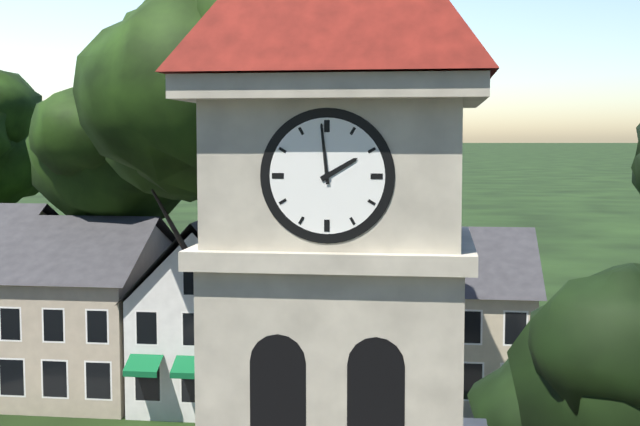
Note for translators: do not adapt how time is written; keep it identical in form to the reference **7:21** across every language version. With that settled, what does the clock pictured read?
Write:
**1:59**
